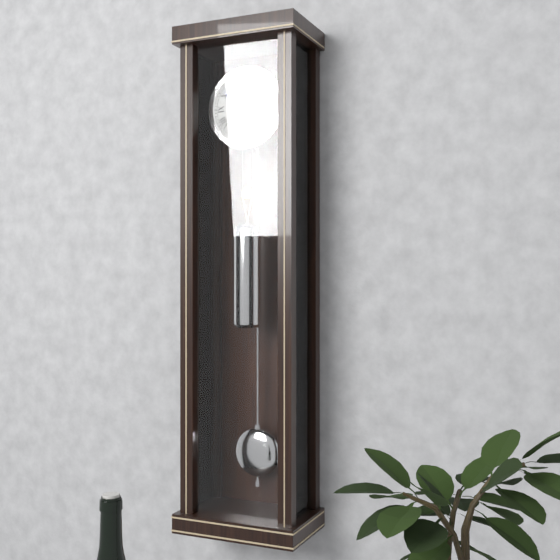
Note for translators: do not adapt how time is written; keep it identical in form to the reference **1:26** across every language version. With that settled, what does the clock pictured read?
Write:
**7:51**
